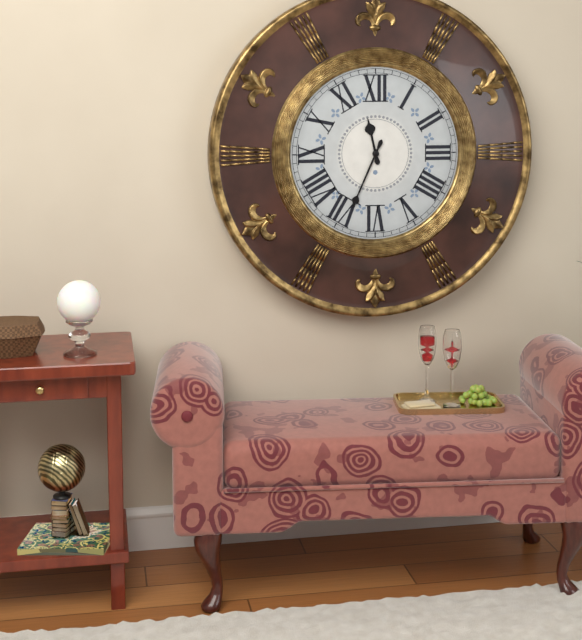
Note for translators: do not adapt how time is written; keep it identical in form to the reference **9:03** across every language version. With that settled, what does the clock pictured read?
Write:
**11:34**
